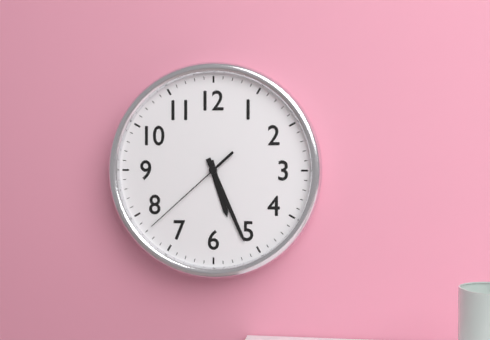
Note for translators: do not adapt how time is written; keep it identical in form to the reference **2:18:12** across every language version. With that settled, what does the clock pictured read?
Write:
**5:26:38**
